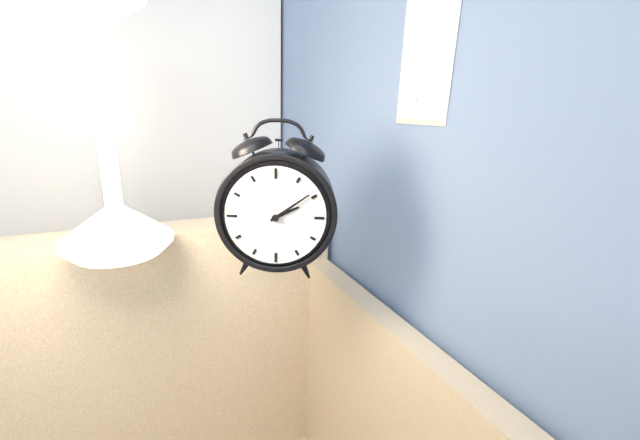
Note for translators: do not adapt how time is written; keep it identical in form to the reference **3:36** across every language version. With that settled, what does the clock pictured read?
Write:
**2:09**
